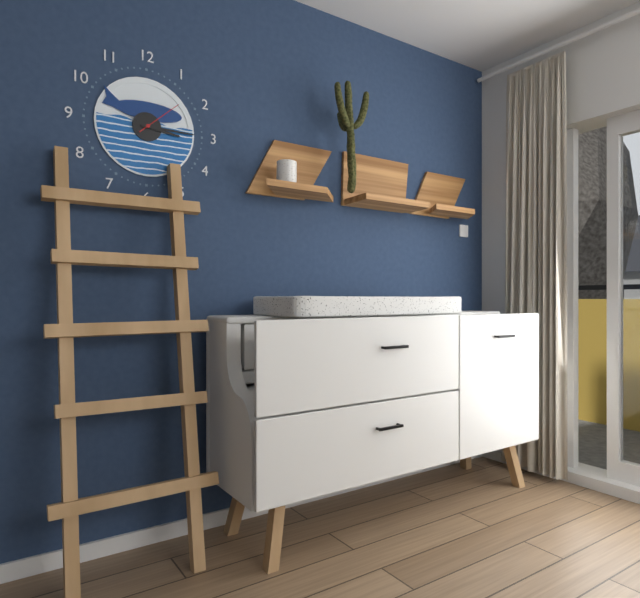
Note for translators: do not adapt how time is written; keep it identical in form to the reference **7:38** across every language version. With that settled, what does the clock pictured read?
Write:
**3:15**
